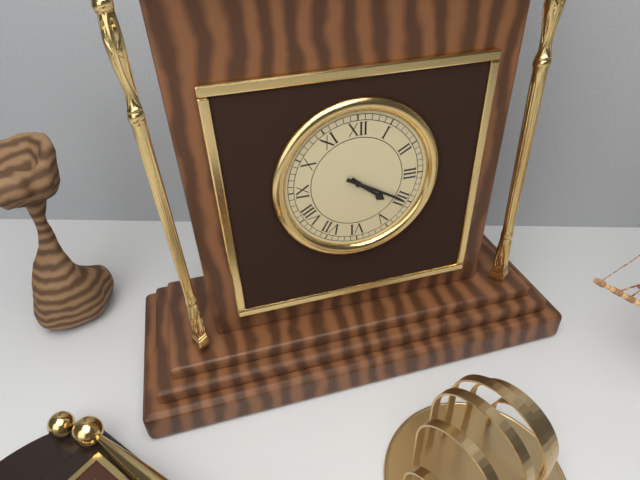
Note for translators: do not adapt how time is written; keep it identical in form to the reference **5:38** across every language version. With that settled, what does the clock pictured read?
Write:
**4:20**
